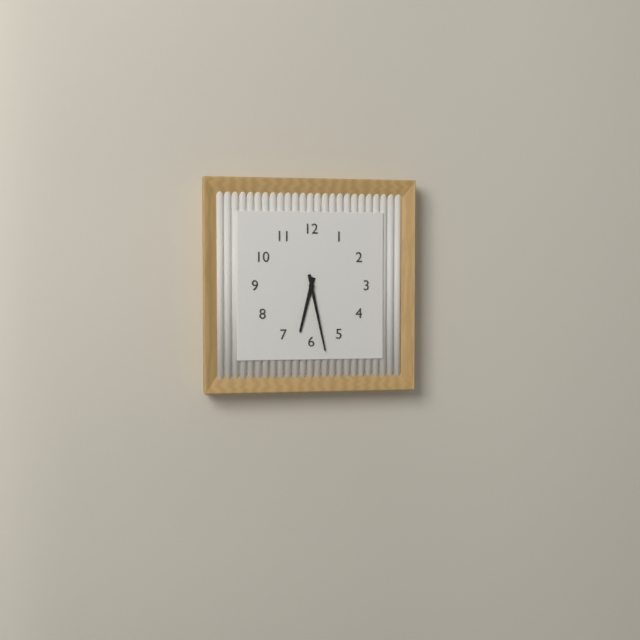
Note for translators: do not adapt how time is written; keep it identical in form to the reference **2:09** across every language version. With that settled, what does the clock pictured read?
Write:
**6:28**
